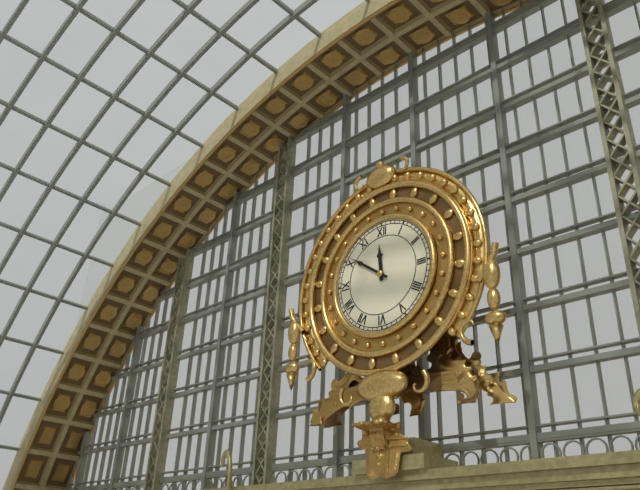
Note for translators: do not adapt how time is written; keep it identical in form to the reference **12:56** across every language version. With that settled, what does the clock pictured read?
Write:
**11:51**
